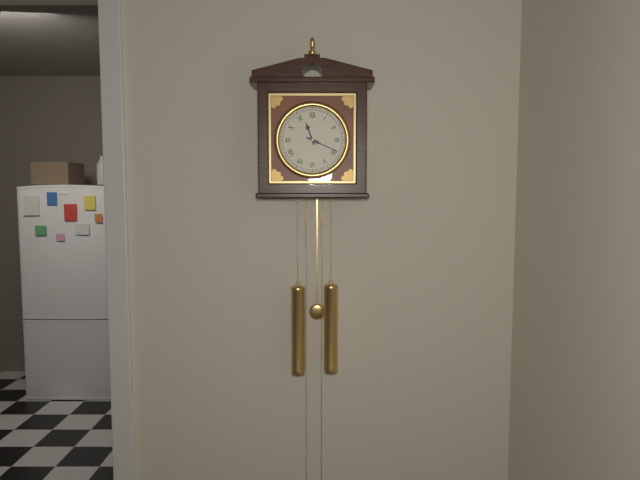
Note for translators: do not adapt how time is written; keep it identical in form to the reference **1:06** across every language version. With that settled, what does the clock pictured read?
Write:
**11:19**
